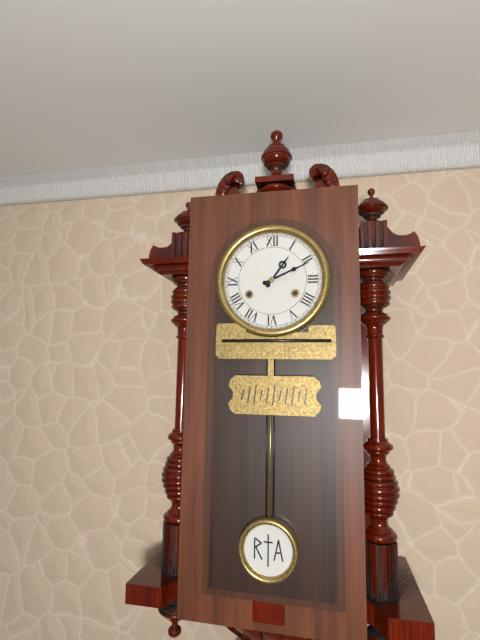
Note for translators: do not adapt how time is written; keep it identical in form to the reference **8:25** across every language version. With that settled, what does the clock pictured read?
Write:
**1:11**
